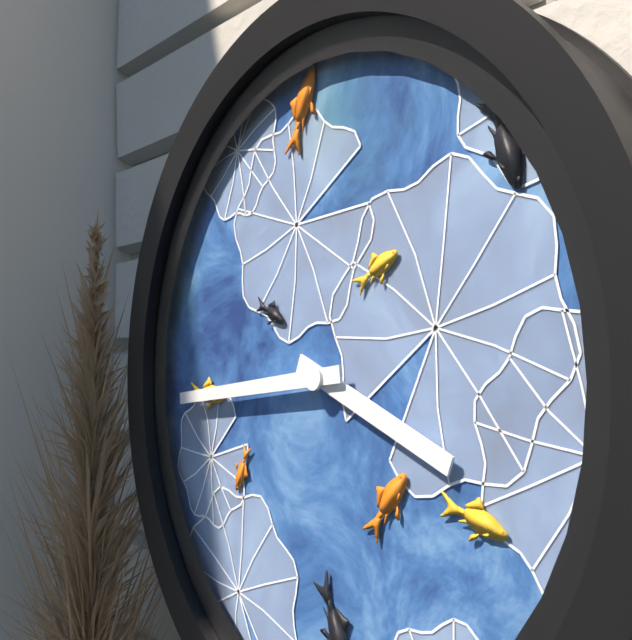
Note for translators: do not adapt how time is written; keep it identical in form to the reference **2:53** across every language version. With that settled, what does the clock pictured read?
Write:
**3:44**
